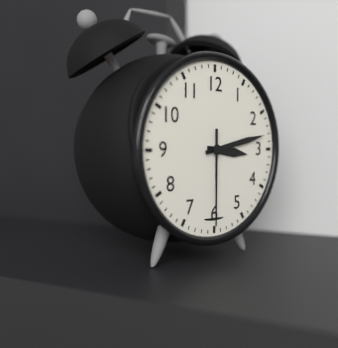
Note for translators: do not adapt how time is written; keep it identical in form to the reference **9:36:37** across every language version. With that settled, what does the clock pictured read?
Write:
**3:13:30**
